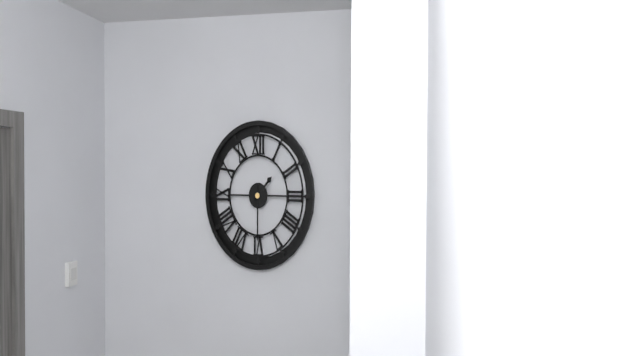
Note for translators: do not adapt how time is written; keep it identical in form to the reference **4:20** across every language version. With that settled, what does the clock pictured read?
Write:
**1:30**
